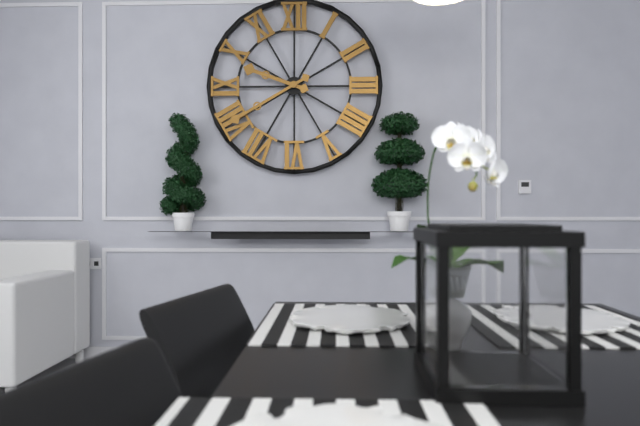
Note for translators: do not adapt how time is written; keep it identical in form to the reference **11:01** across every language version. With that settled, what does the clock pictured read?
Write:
**9:40**
